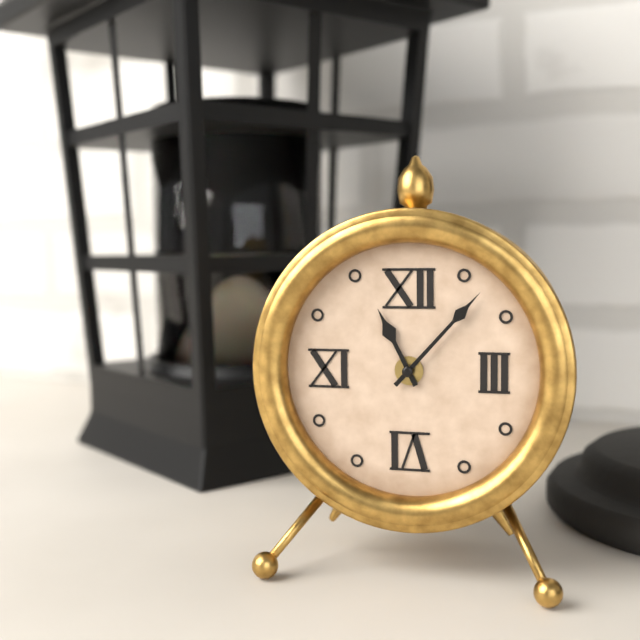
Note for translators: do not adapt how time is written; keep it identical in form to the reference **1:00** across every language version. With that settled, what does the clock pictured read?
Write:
**11:07**
